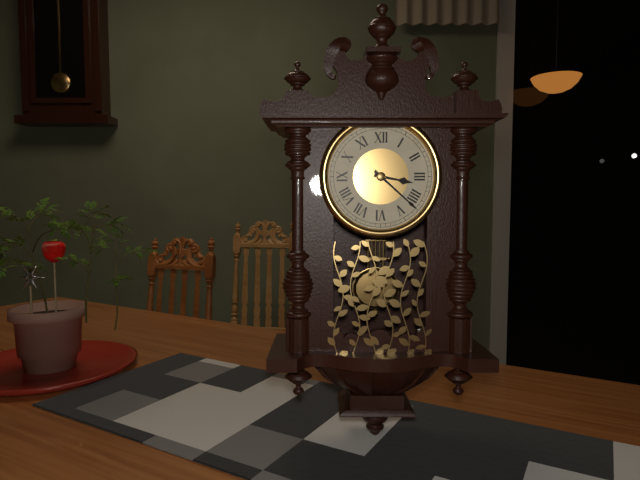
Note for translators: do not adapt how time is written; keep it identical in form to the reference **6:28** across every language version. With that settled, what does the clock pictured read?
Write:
**3:22**
